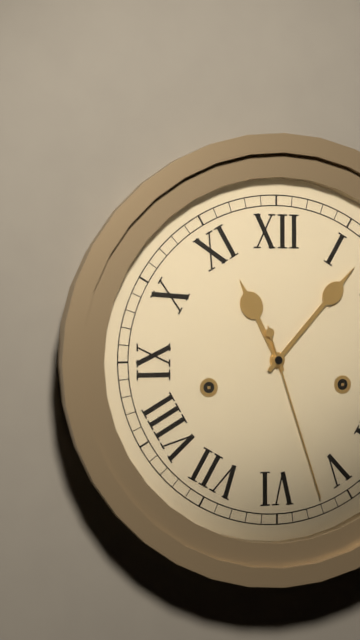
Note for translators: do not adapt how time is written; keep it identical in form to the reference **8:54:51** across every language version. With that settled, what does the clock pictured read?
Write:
**11:07:27**
